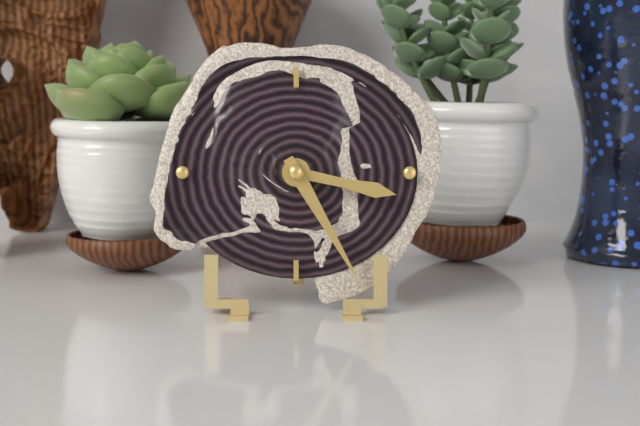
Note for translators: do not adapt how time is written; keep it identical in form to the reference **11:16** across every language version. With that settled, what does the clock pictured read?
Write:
**3:25**
